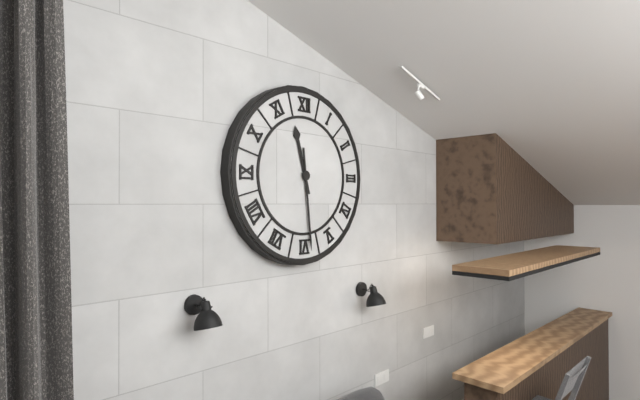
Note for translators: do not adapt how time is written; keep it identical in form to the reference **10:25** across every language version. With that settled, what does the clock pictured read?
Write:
**11:29**
